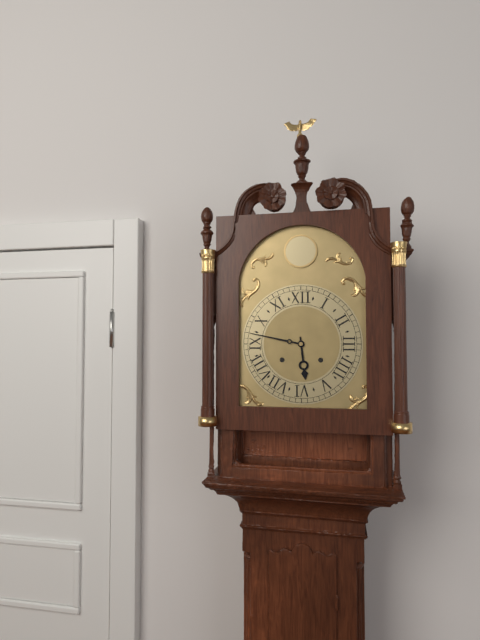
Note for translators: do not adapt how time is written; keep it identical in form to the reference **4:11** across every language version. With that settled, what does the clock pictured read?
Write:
**5:47**
